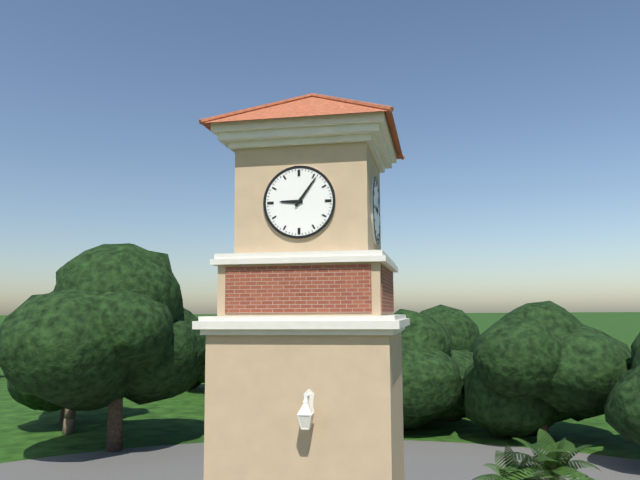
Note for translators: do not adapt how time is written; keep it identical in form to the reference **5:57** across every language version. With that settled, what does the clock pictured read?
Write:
**9:06**
